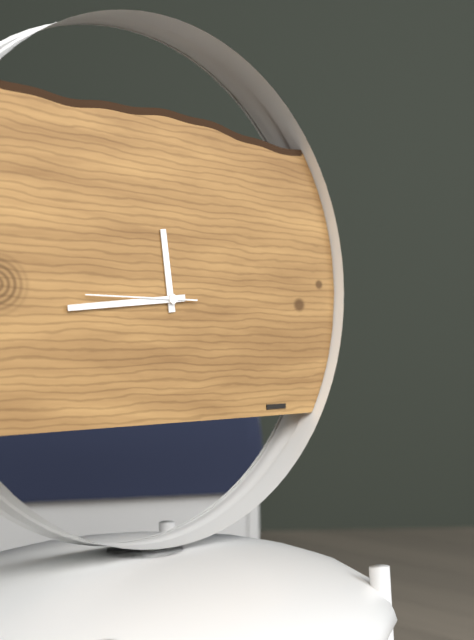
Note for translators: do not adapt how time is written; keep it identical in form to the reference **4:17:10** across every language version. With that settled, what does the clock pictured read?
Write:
**11:44:45**
